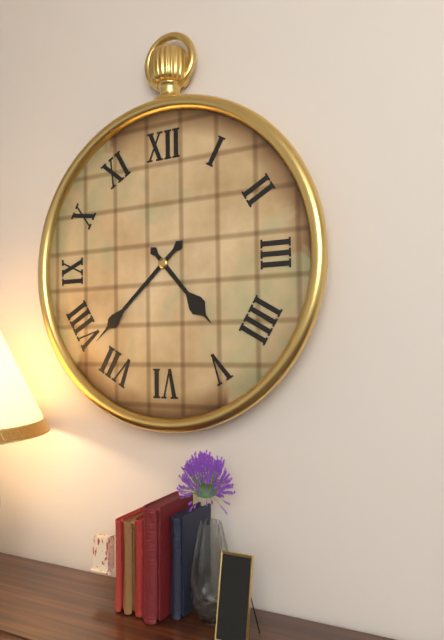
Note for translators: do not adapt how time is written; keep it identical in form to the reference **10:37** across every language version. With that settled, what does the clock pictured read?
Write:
**4:38**
